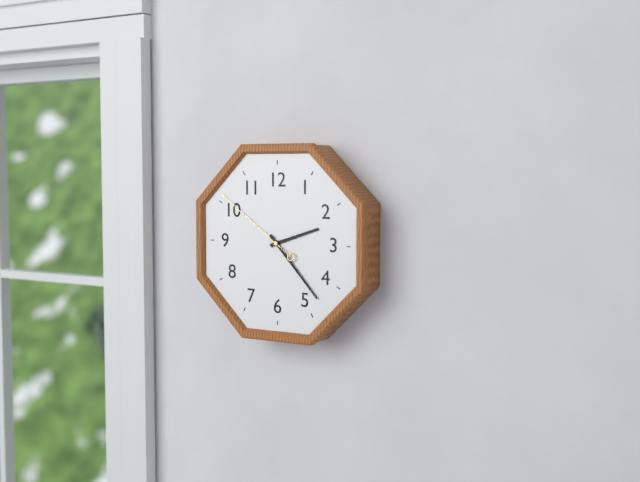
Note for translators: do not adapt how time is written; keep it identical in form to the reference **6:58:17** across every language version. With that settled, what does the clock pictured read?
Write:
**2:23:51**
